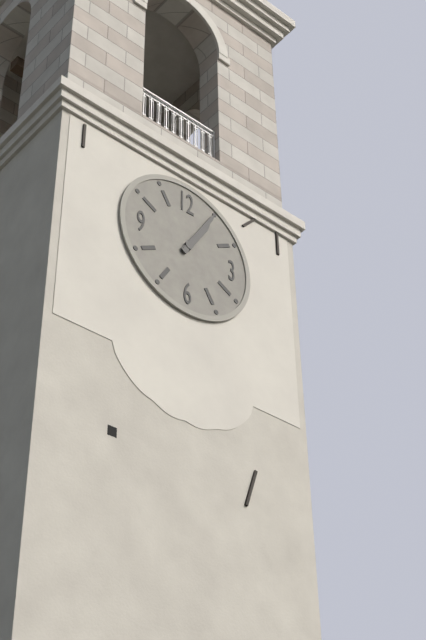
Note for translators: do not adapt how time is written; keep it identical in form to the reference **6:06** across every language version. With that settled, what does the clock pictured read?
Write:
**1:05**
